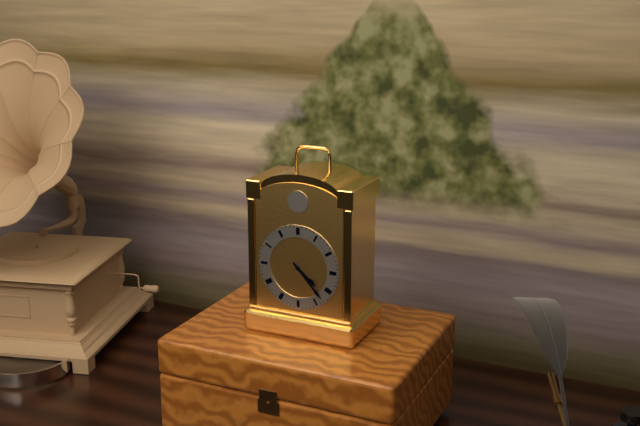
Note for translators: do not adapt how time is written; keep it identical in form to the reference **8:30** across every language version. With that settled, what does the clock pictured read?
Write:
**4:23**
